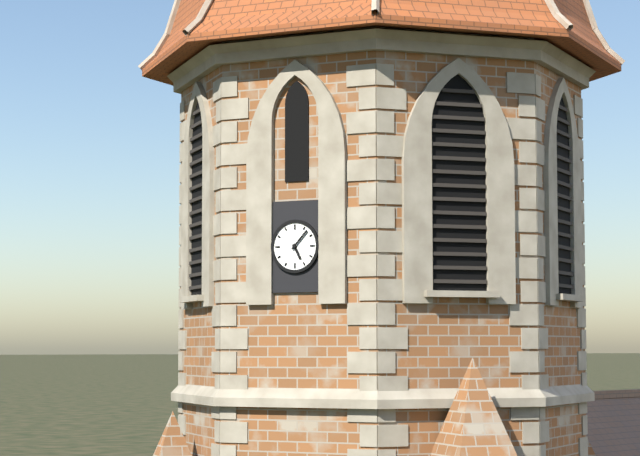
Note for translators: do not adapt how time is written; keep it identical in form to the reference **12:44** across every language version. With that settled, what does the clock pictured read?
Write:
**5:07**
